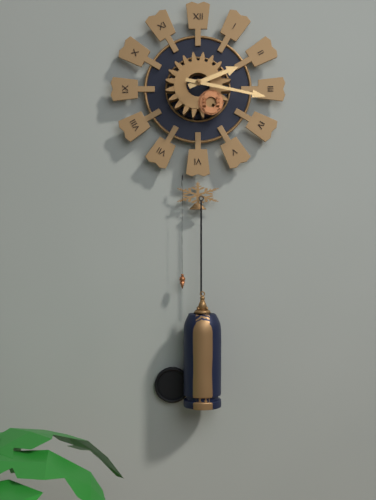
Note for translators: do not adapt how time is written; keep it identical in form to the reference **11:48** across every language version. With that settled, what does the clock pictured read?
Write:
**2:17**
